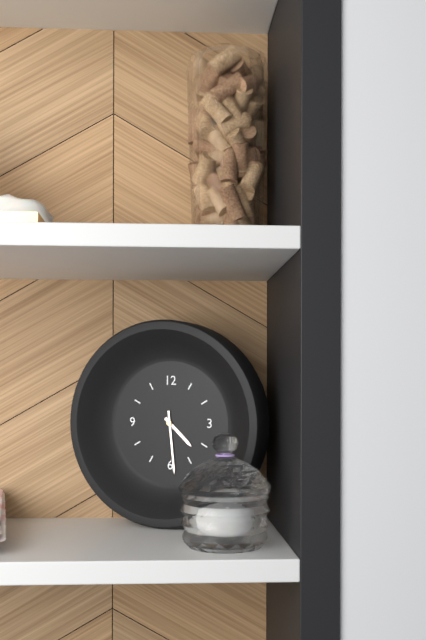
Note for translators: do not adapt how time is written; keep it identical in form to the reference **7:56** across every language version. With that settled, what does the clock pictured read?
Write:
**4:29**
